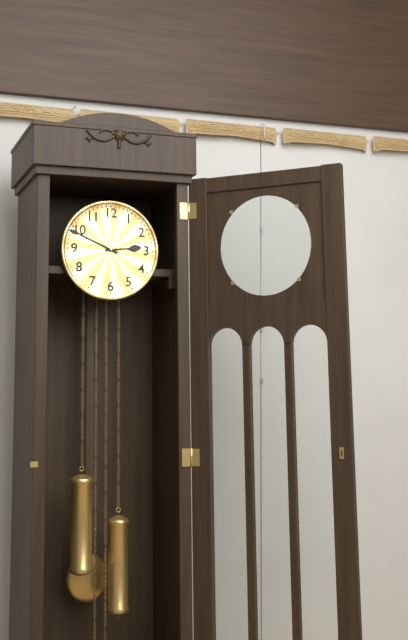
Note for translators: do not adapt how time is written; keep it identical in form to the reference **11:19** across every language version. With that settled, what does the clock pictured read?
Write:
**2:49**
